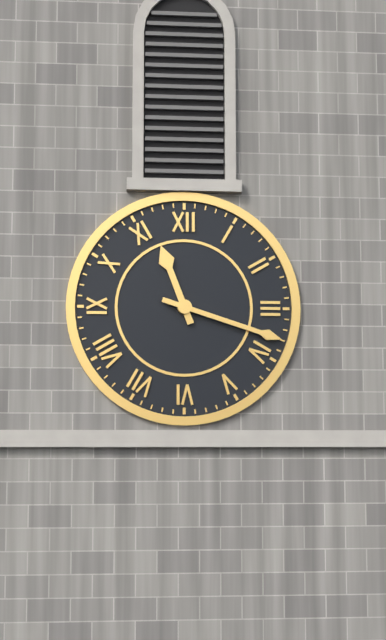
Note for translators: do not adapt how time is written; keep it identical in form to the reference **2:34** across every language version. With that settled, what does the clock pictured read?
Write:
**11:18**
